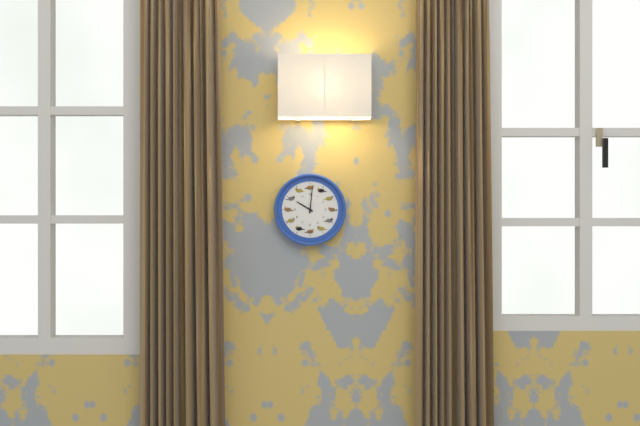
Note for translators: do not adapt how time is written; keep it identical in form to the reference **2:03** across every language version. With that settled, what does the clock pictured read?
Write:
**10:01**
